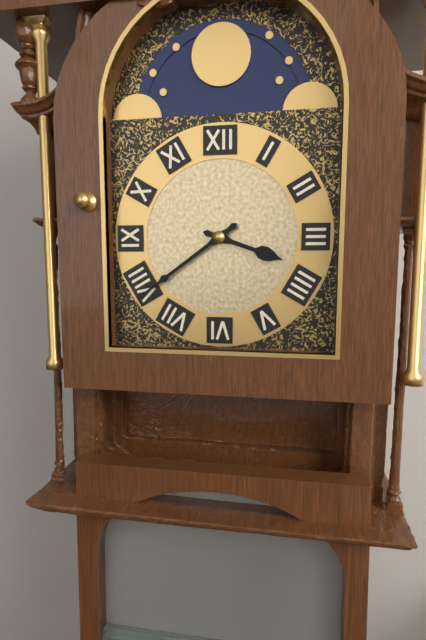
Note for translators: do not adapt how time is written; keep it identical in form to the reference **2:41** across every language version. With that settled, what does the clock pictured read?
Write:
**3:39**
